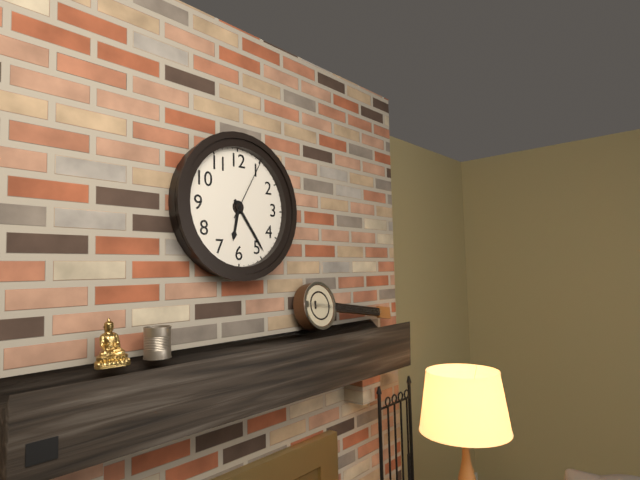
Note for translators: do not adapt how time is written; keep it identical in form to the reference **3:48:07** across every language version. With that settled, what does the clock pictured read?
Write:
**6:24:05**
